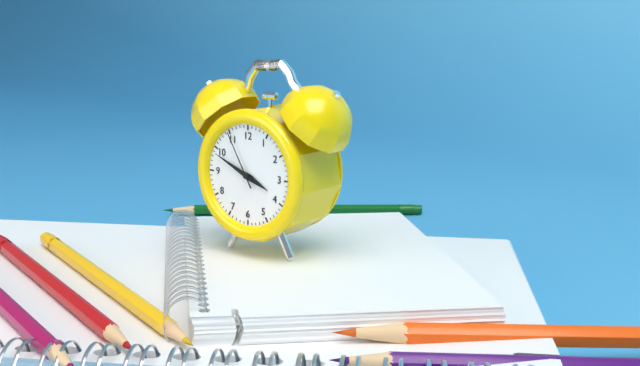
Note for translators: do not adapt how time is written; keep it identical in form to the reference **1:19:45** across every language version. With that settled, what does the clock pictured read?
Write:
**3:49:55**
